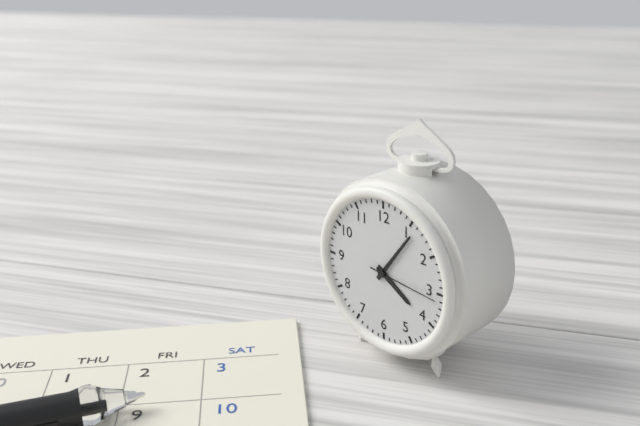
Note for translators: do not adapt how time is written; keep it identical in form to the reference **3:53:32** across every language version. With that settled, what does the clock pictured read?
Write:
**4:06:16**
